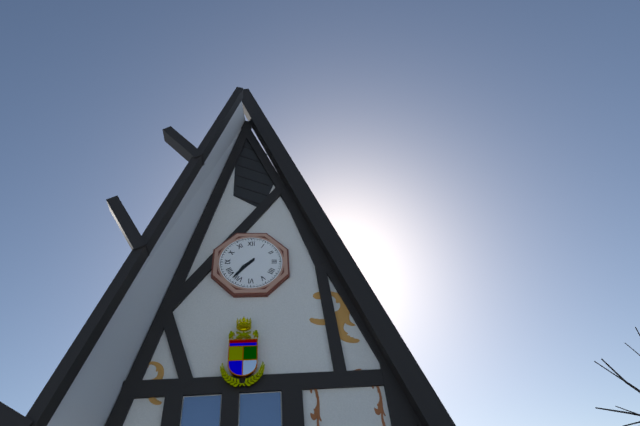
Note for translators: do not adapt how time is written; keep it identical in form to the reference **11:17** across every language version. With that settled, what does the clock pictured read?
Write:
**7:37**
